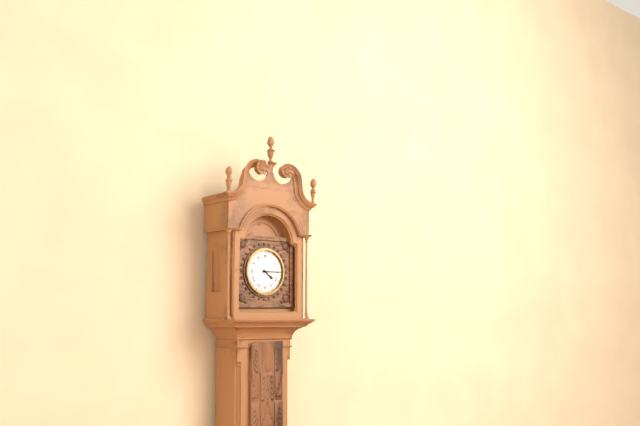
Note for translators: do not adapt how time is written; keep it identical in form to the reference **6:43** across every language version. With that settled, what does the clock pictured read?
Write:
**4:15**
